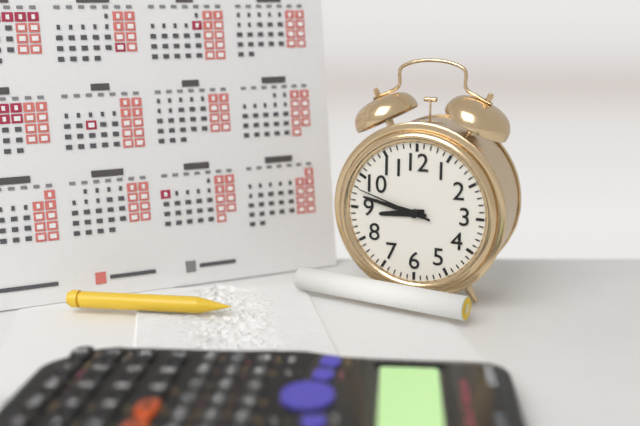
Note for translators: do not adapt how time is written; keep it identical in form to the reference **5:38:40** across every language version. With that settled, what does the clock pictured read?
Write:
**8:47:48**
